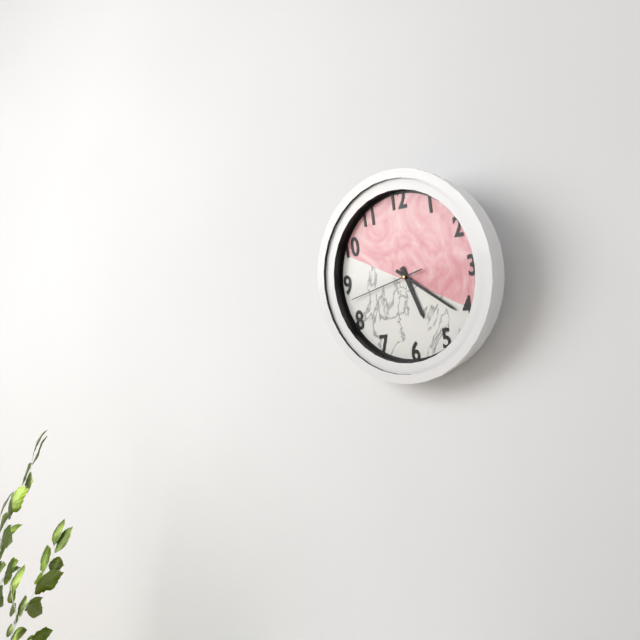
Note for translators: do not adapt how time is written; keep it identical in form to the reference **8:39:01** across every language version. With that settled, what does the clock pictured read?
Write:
**5:21:43**
